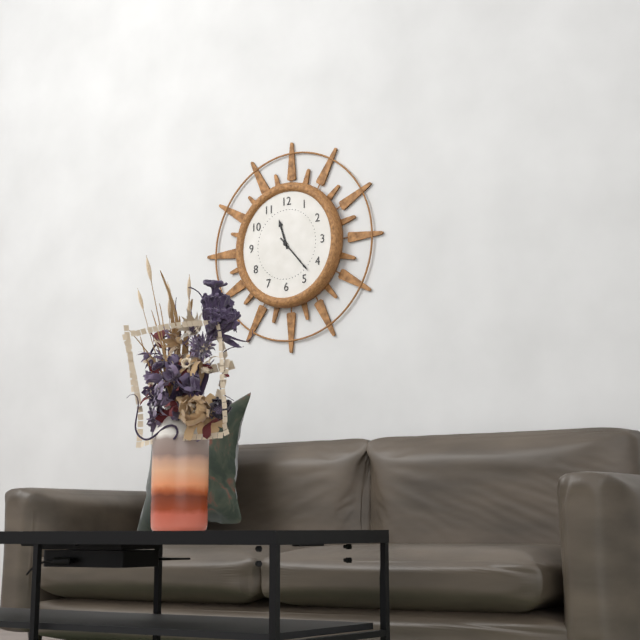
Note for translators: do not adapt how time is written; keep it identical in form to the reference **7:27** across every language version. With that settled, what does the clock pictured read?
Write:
**11:23**
